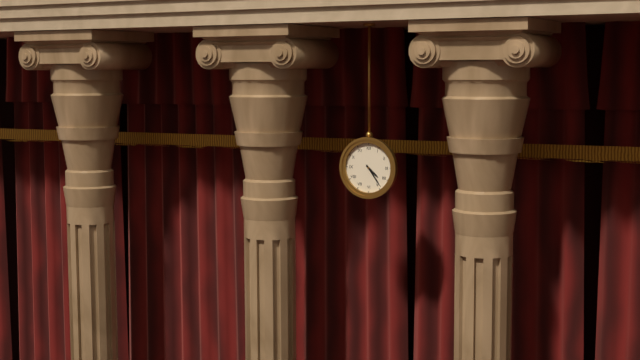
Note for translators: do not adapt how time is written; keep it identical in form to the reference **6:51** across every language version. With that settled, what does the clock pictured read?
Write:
**4:24**
